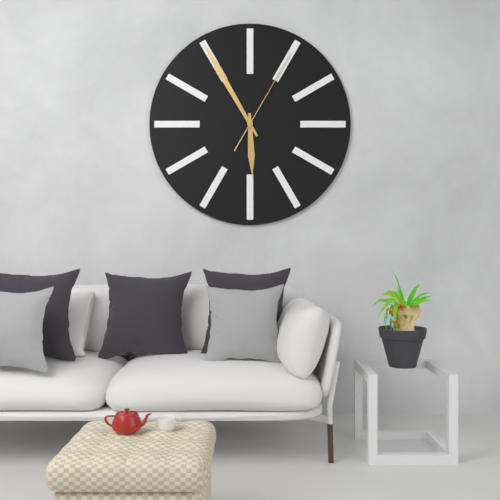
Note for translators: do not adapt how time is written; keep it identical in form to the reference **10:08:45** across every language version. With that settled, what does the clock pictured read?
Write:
**5:55:05**
